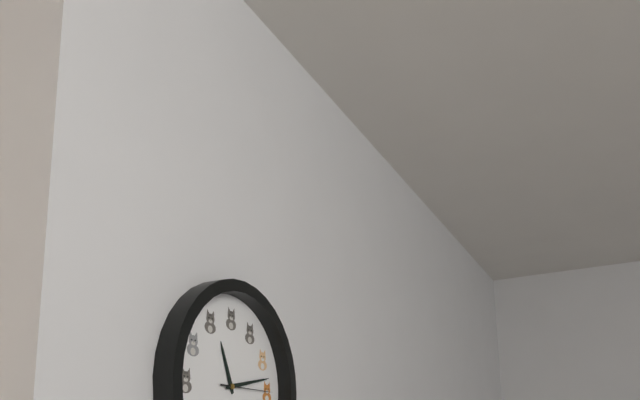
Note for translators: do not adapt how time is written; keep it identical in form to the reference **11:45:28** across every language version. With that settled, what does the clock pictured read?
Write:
**11:13:15**
